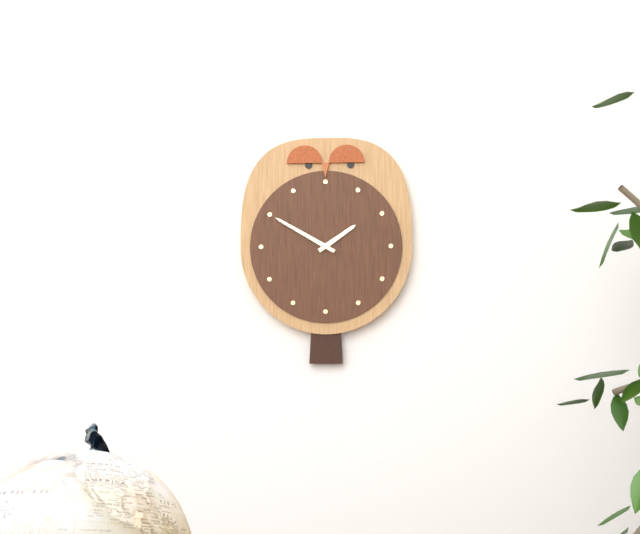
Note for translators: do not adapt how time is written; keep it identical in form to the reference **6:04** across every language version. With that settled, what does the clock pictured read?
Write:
**1:50**
